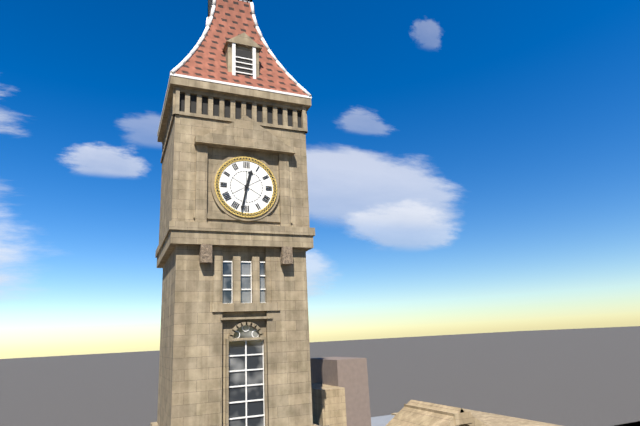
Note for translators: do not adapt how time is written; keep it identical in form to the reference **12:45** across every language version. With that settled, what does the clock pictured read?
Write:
**12:32**
